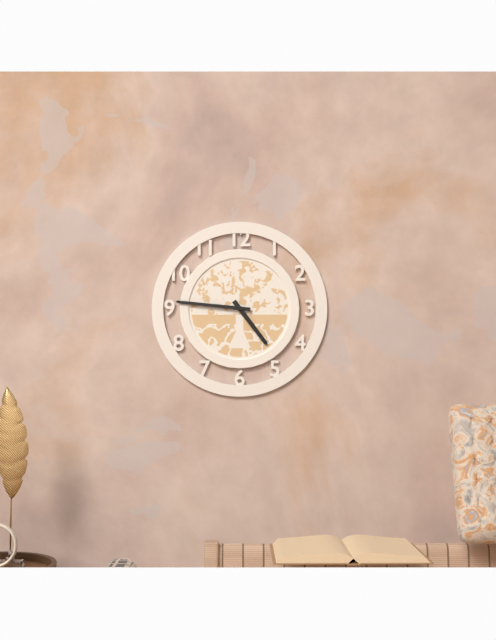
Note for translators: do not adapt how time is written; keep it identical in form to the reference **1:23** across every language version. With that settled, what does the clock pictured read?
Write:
**4:46**
